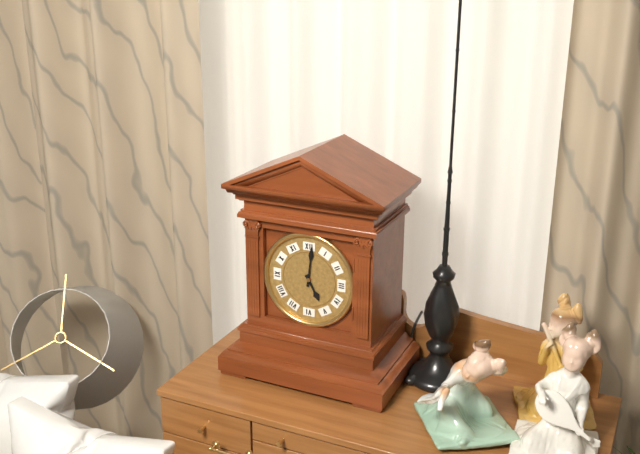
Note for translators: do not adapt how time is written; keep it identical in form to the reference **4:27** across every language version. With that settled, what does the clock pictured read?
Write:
**5:01**
